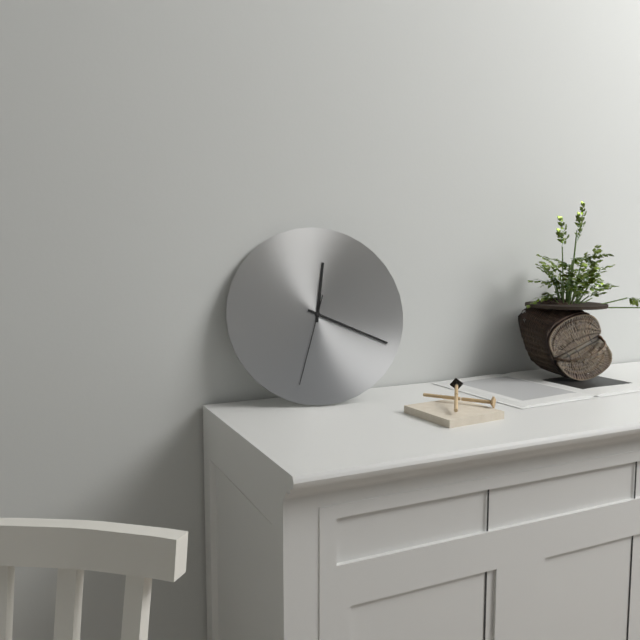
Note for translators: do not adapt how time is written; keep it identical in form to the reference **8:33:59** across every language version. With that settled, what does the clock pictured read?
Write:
**12:19:33**
